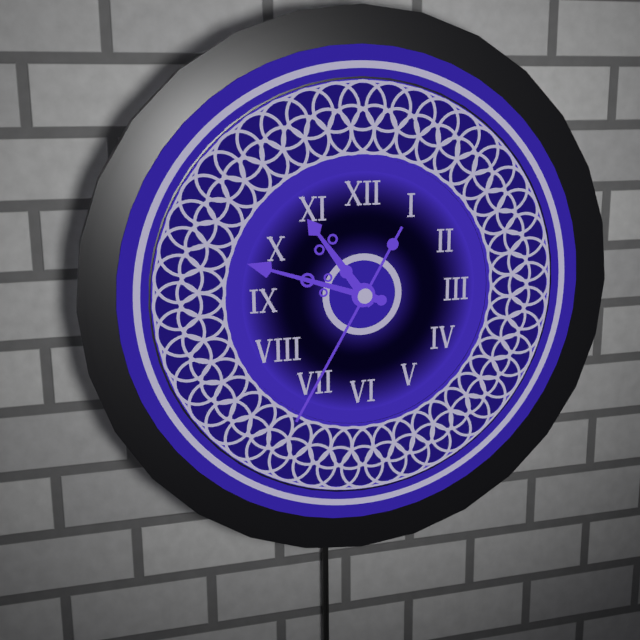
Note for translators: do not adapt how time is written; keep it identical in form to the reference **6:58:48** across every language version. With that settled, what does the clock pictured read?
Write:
**10:48:35**
